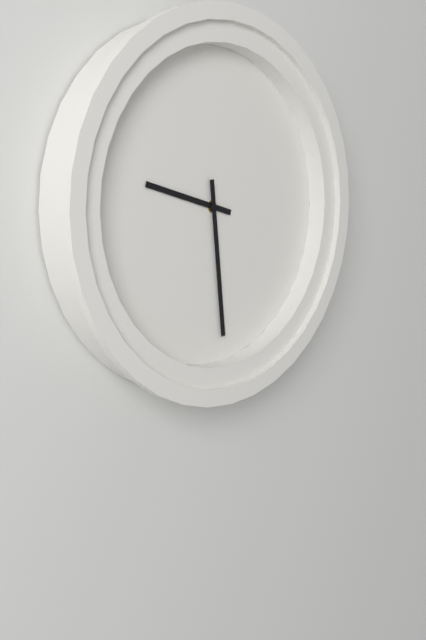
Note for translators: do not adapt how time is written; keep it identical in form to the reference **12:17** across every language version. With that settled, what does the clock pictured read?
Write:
**9:29**
